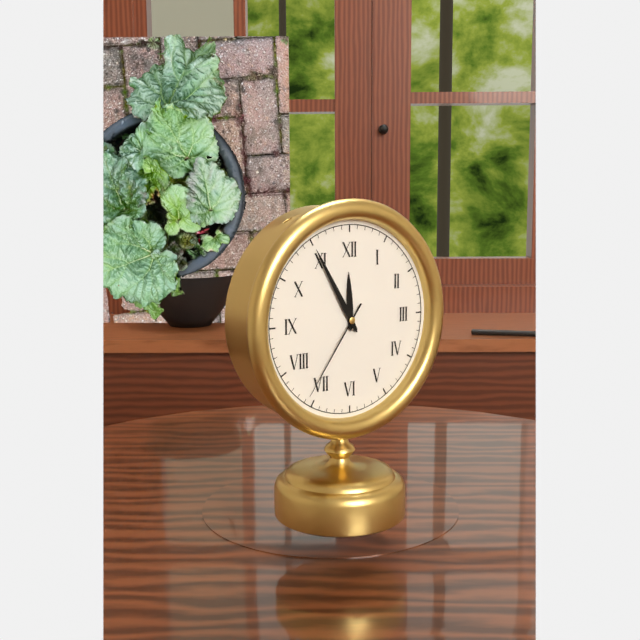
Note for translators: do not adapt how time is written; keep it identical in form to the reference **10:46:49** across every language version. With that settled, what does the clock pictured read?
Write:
**11:55:36**
